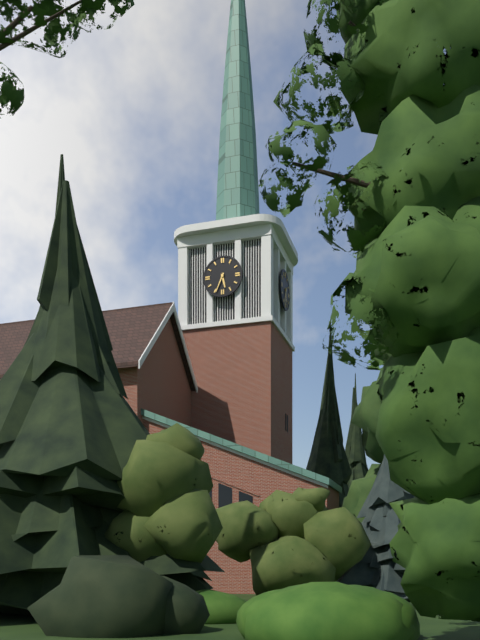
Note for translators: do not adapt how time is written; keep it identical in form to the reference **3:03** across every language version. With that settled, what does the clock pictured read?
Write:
**5:34**
